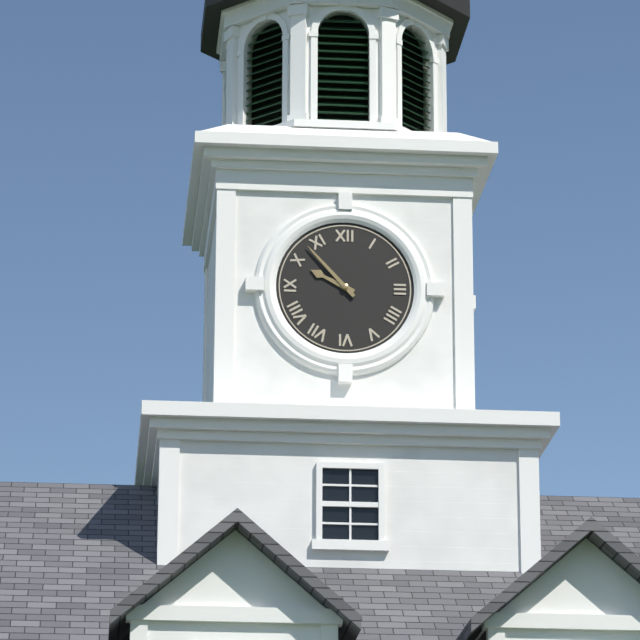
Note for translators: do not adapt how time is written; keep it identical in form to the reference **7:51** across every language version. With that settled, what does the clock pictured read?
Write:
**9:53**
